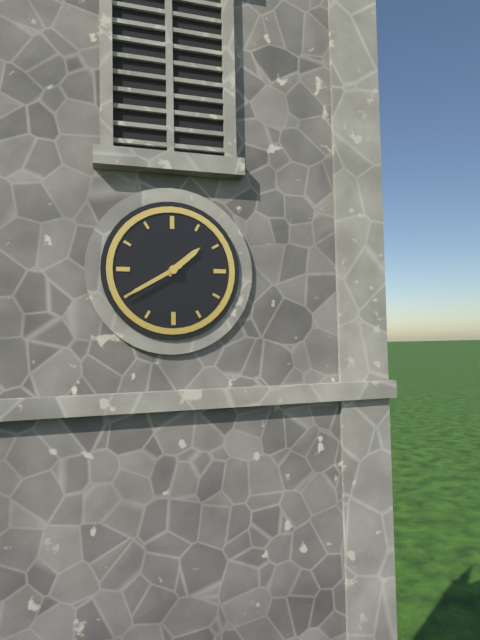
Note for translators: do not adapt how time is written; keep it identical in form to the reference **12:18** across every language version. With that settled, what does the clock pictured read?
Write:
**1:40**
